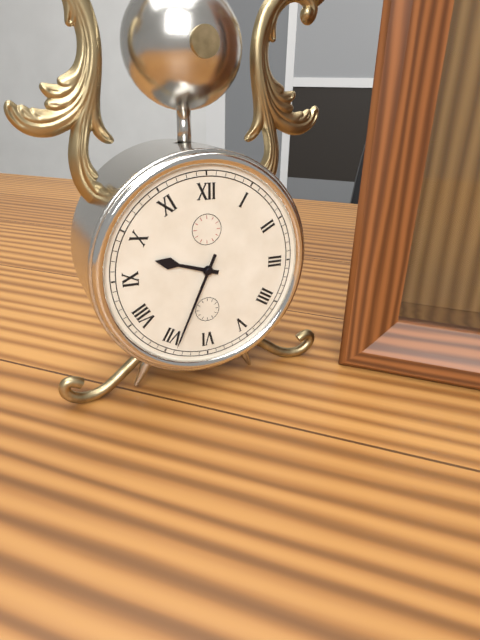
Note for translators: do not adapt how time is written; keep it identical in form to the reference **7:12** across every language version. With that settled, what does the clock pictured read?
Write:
**9:34**
